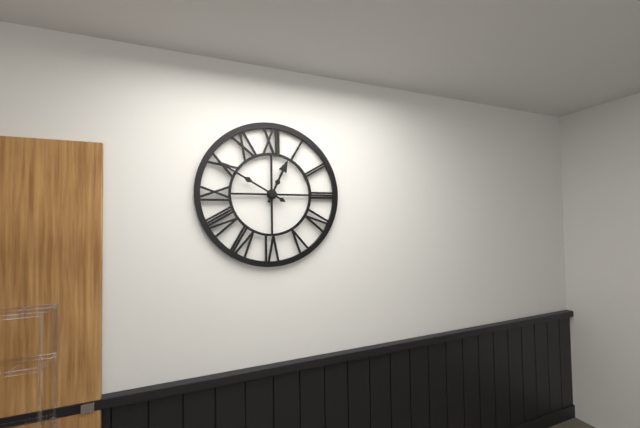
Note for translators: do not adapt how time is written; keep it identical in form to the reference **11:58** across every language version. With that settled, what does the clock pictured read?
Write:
**12:50**
